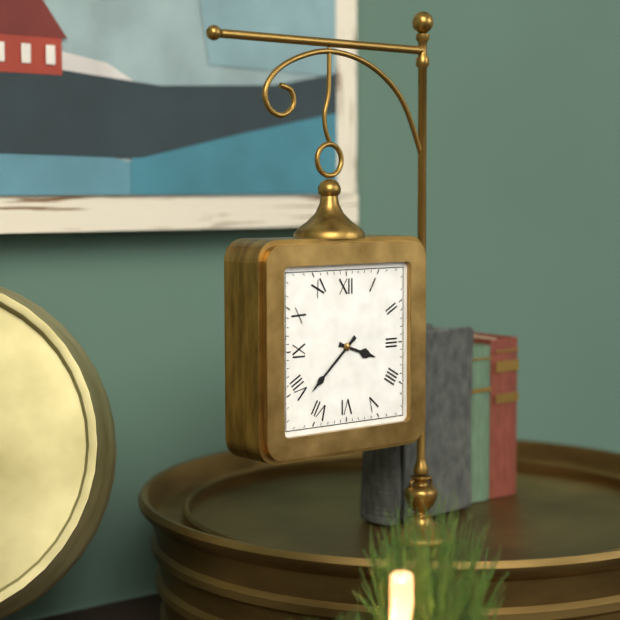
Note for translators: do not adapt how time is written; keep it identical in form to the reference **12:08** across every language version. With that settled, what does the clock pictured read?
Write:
**3:38**
